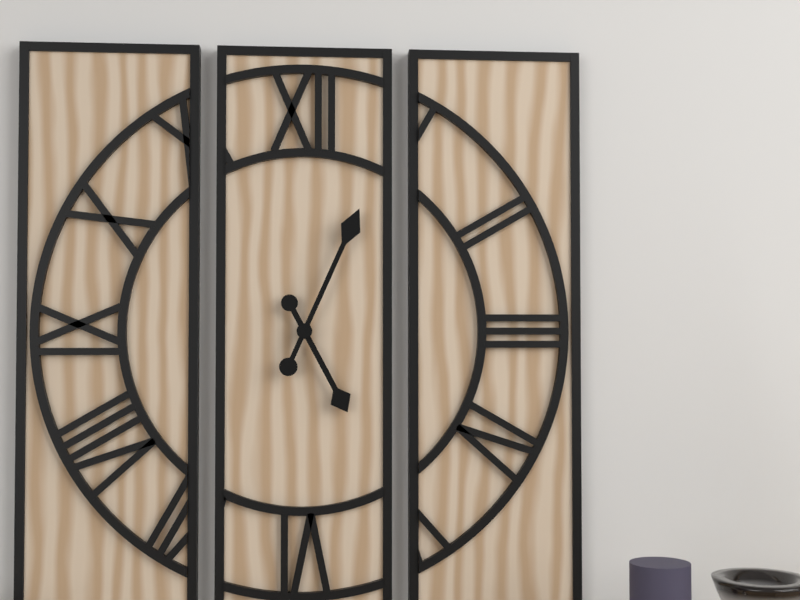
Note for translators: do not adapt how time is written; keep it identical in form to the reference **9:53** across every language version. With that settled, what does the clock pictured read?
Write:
**5:04**
